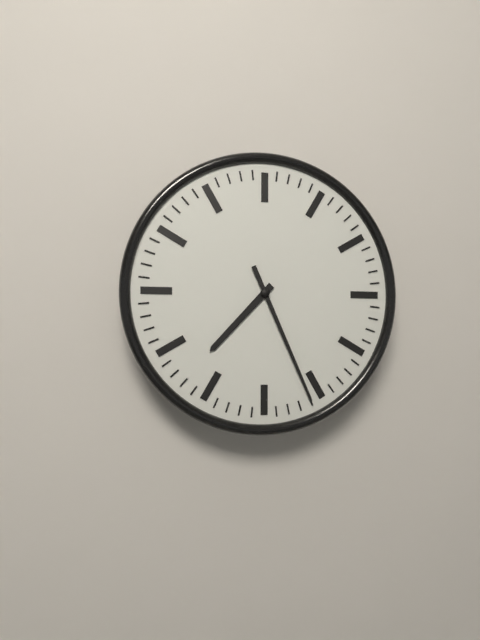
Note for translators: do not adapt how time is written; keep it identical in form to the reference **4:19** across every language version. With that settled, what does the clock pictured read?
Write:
**7:26**
